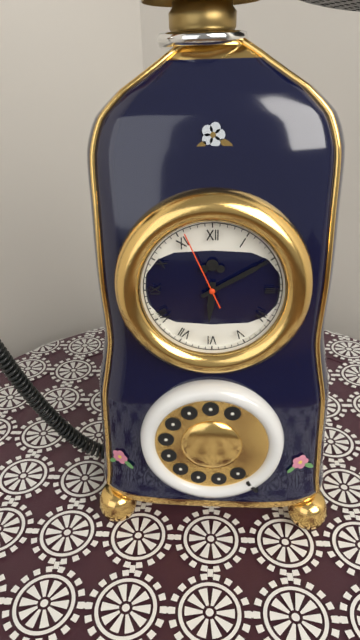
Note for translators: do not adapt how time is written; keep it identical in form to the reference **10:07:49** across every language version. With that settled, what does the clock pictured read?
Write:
**6:10:56**
